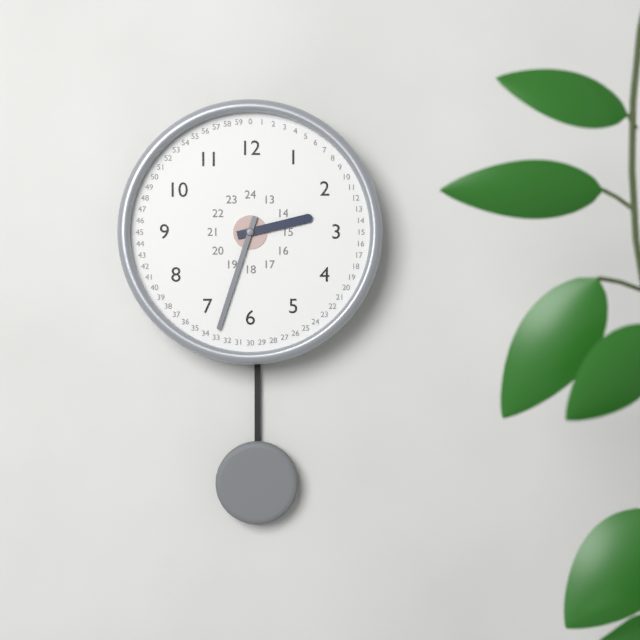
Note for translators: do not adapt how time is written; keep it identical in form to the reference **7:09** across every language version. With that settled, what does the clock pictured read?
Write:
**2:33**
